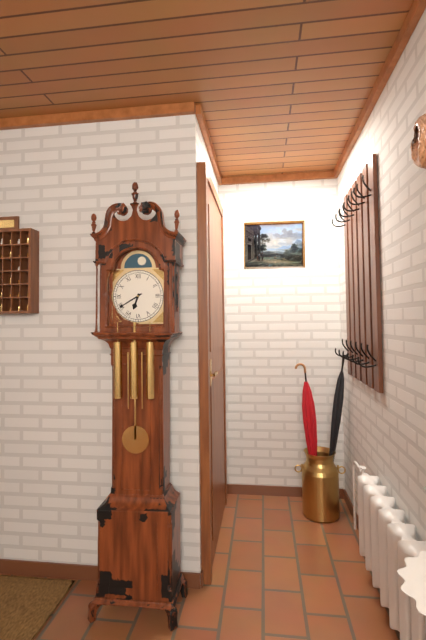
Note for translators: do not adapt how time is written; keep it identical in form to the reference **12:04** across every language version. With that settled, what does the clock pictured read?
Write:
**6:40**
